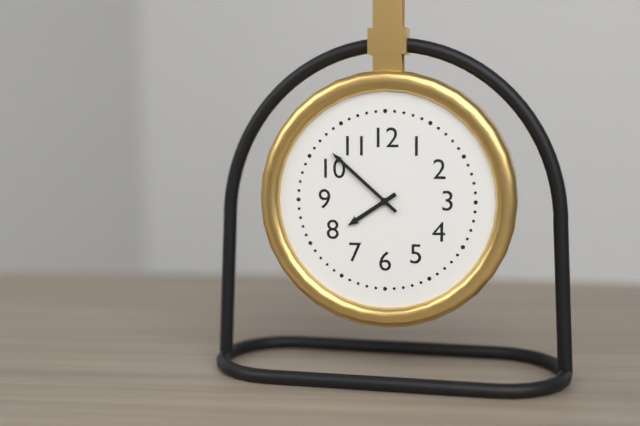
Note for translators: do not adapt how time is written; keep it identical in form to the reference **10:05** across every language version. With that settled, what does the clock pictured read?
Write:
**7:52**
